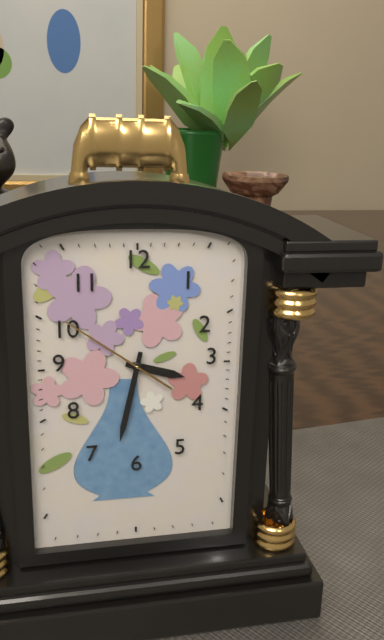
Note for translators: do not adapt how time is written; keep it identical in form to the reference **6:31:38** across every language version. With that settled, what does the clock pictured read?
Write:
**3:32:51**
